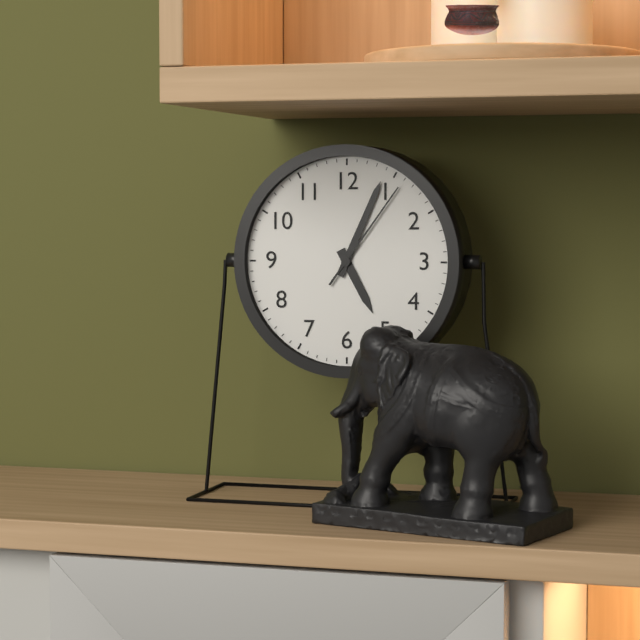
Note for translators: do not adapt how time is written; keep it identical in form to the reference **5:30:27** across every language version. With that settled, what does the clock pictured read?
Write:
**5:04:06**
